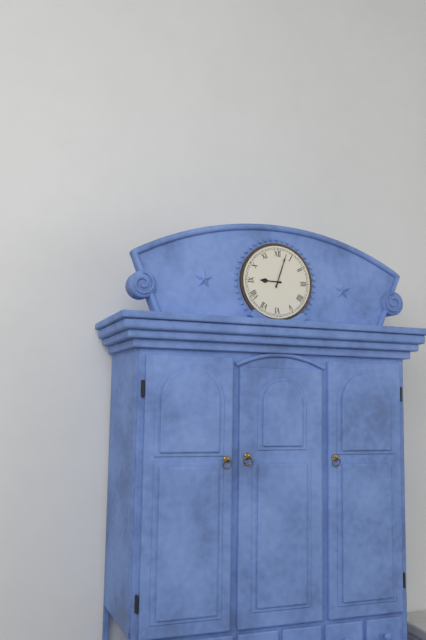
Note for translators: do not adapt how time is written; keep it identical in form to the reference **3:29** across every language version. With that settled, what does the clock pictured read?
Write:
**9:03**
